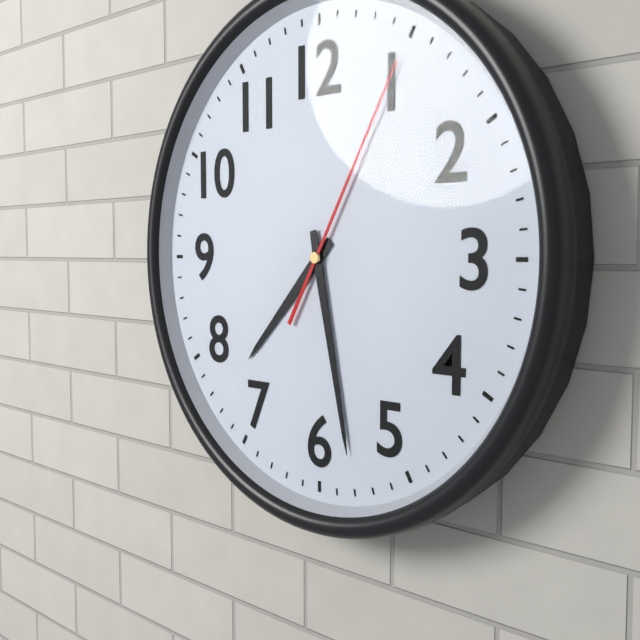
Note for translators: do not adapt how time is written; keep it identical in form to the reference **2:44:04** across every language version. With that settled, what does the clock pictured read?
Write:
**7:28:05**
